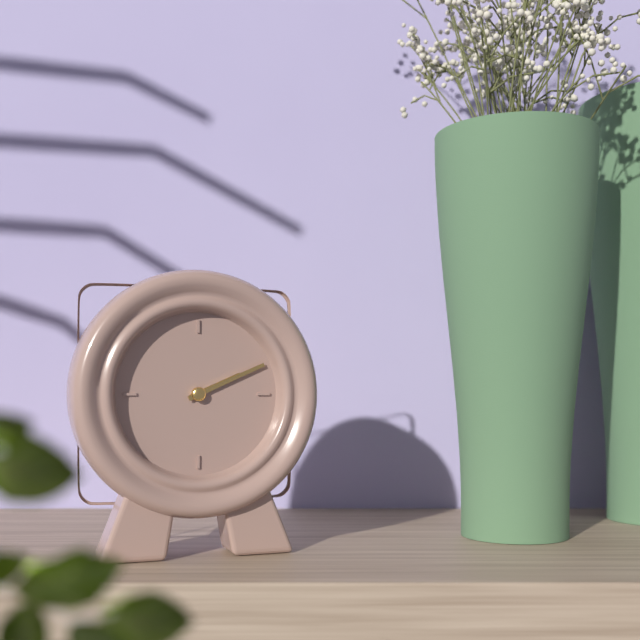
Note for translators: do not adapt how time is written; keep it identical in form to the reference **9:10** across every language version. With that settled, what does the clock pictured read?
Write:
**2:11**
